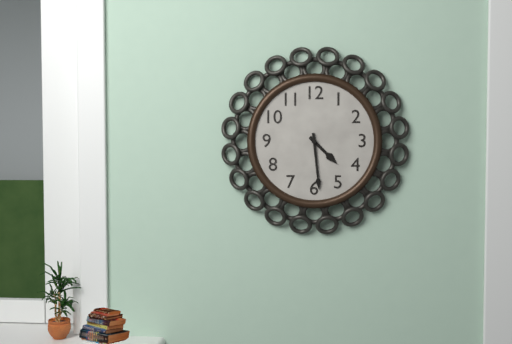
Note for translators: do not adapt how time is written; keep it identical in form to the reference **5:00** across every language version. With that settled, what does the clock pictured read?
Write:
**4:29**
